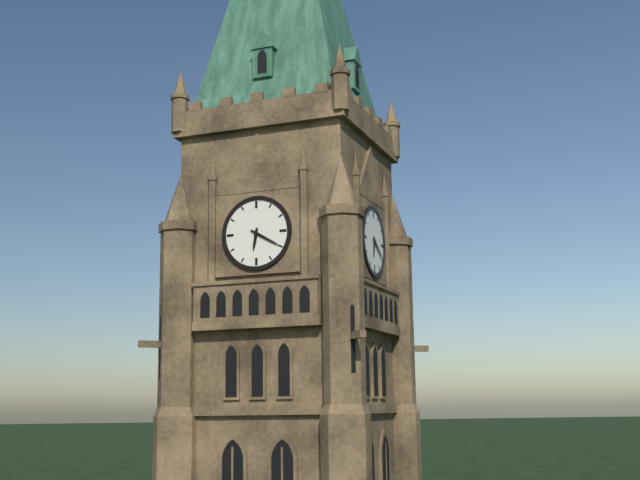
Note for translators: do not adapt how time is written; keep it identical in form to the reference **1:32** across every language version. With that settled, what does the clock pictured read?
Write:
**6:20**
